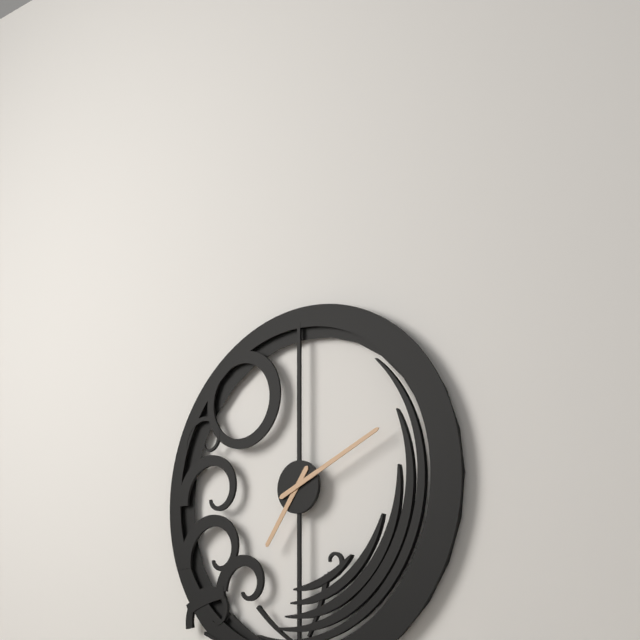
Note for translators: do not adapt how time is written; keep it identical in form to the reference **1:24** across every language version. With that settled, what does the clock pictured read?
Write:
**7:11**
